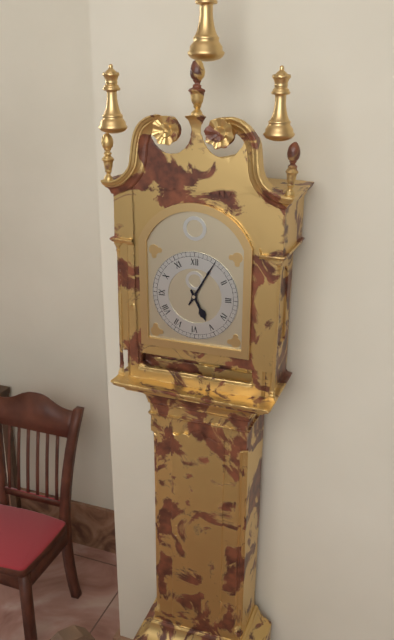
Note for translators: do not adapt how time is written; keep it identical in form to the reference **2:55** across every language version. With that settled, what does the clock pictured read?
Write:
**5:05**
